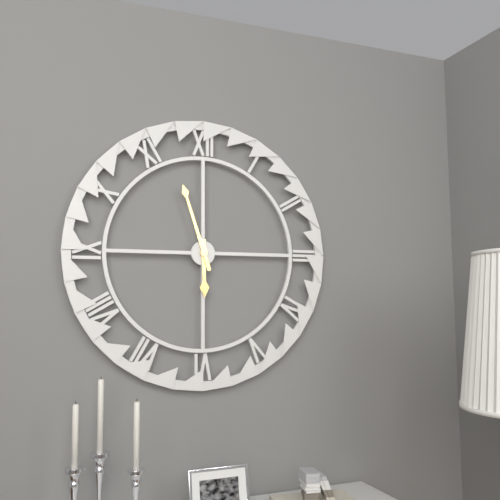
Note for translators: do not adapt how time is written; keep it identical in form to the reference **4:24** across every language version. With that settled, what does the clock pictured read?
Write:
**5:57**
